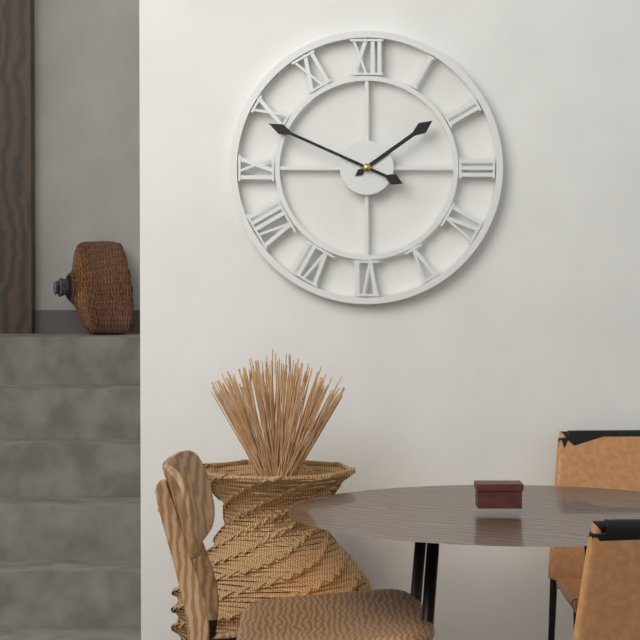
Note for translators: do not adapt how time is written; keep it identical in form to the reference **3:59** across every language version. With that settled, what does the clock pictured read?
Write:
**1:49**
